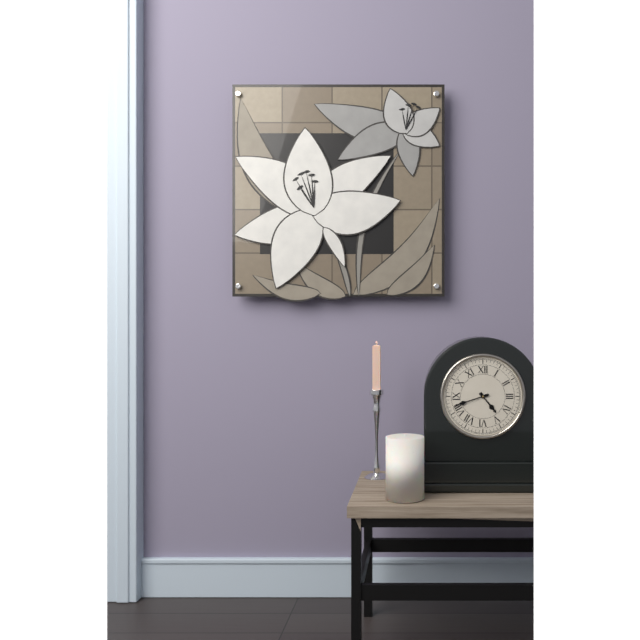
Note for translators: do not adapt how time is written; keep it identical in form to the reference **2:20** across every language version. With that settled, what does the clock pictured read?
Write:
**4:42**
